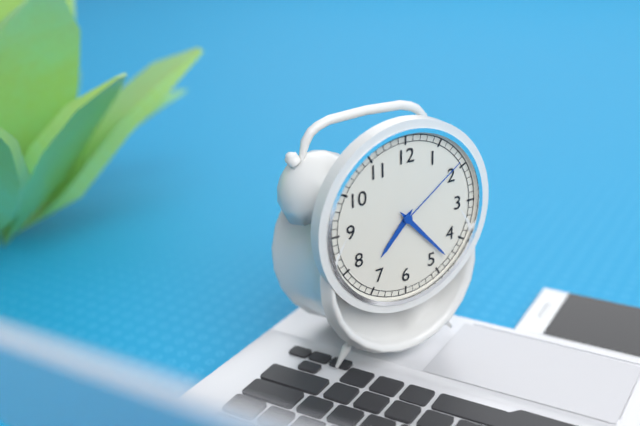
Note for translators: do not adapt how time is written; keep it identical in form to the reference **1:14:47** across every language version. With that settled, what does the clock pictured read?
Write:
**7:23:09**
